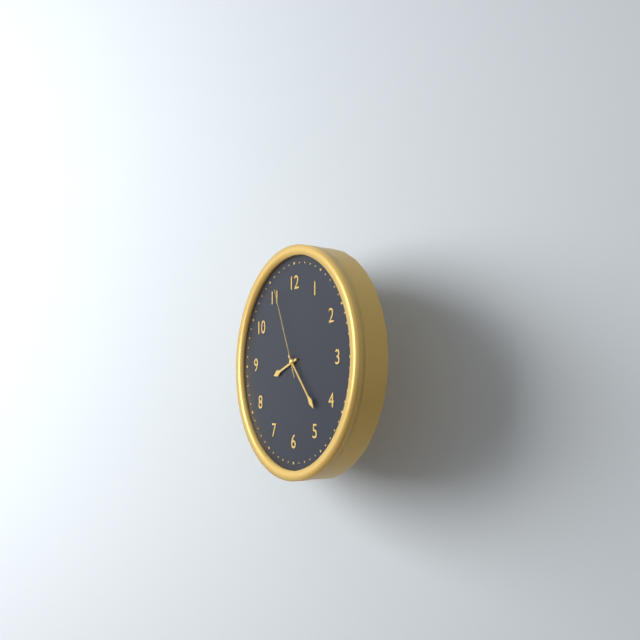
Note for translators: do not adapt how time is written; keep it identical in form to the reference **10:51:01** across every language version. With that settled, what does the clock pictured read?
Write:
**8:23:56**
